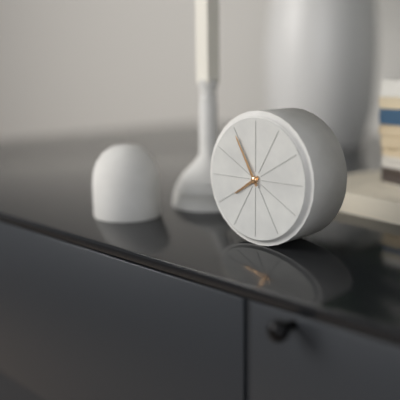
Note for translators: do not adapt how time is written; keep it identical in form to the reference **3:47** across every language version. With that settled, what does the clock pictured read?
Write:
**7:55**
